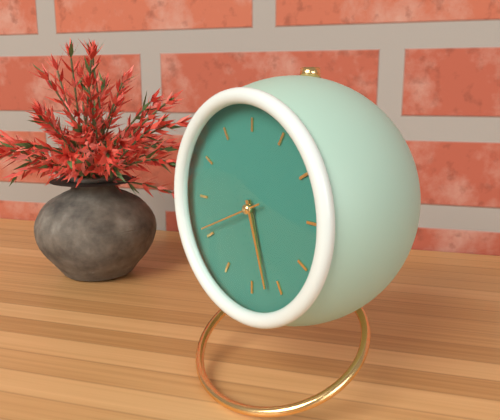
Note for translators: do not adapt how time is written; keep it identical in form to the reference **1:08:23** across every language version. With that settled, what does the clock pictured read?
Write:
**5:27:41**
